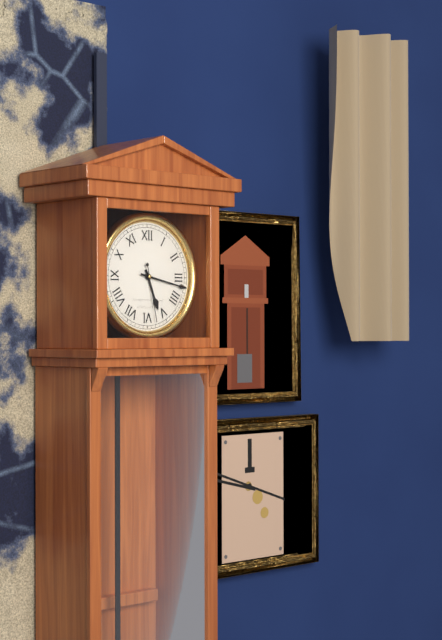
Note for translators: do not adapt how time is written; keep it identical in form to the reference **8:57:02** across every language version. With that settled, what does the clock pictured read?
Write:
**5:17:28**
